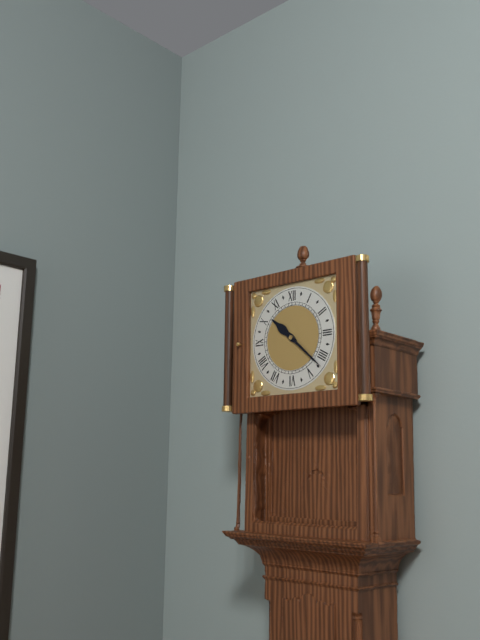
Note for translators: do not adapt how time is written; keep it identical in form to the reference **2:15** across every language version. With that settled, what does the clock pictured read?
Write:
**10:22**
